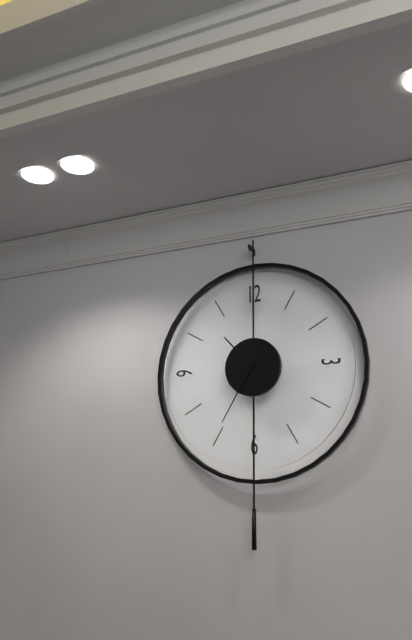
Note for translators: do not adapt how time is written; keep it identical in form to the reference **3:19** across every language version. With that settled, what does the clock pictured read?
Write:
**10:35**
